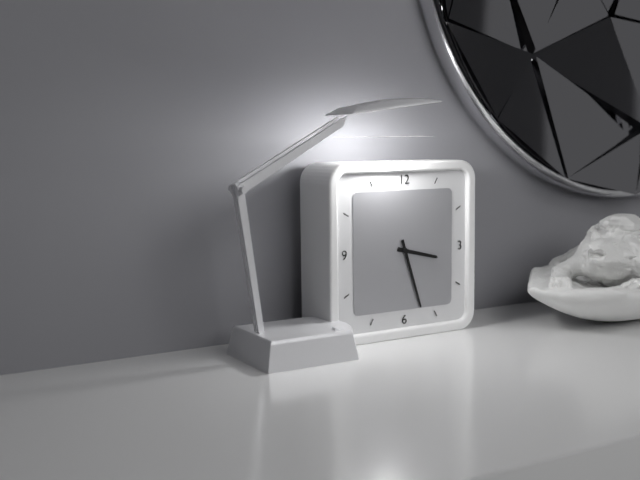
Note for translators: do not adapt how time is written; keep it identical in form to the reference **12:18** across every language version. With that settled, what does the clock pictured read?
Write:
**3:27**
